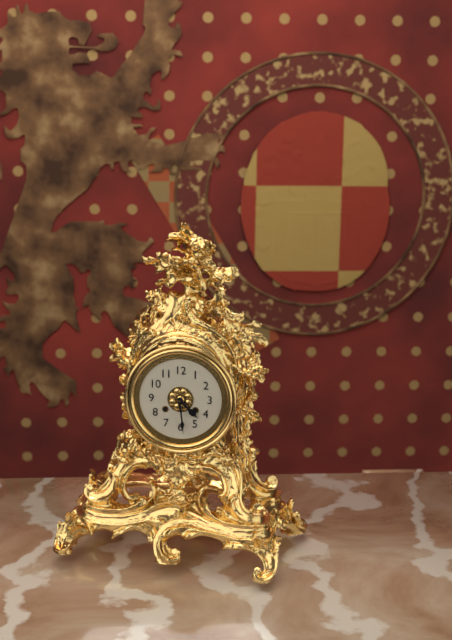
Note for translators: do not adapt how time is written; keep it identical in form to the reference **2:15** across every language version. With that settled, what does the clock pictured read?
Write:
**4:29**
